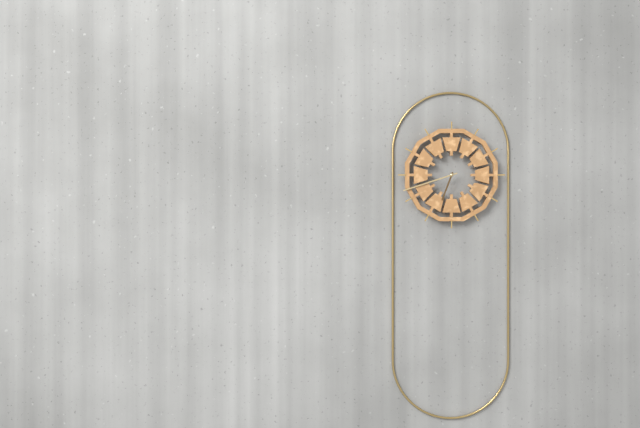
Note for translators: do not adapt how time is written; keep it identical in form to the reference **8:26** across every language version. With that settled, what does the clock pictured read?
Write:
**6:42**
